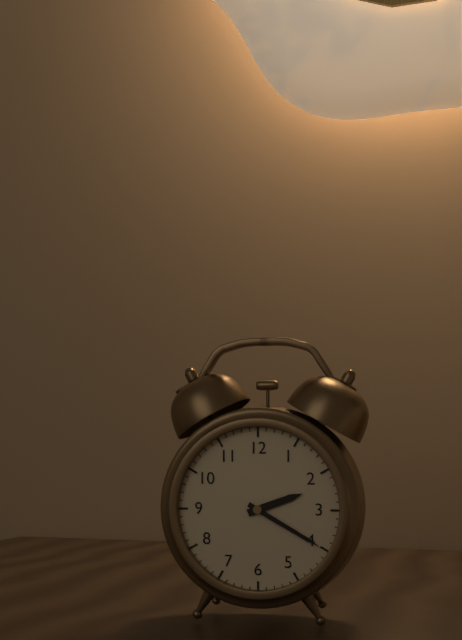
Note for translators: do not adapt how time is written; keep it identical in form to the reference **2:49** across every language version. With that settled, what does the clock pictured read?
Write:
**2:20**
